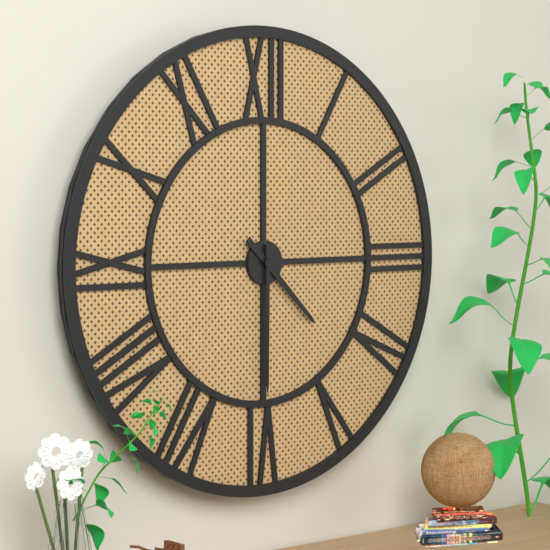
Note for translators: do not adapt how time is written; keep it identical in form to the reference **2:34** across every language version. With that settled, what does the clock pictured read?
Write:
**4:30**
